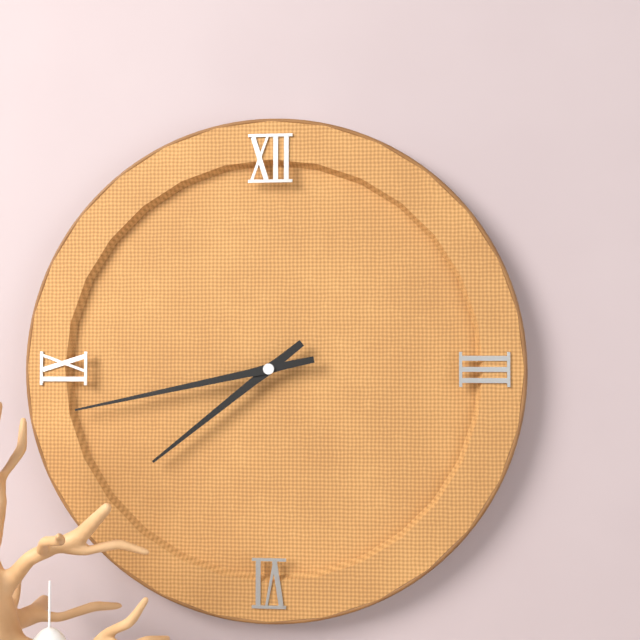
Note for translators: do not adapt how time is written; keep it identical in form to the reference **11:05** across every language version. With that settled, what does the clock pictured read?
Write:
**7:43**
